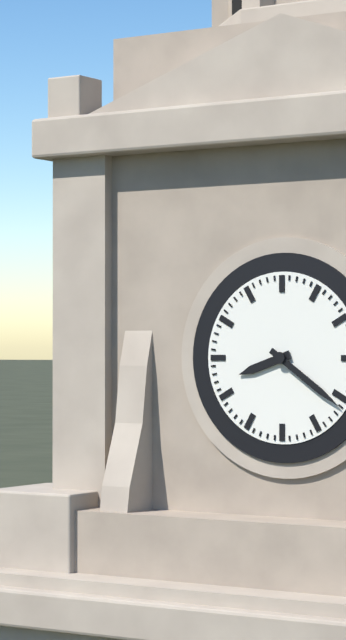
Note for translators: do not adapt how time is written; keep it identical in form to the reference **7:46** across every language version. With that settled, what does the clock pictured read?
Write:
**8:21**
